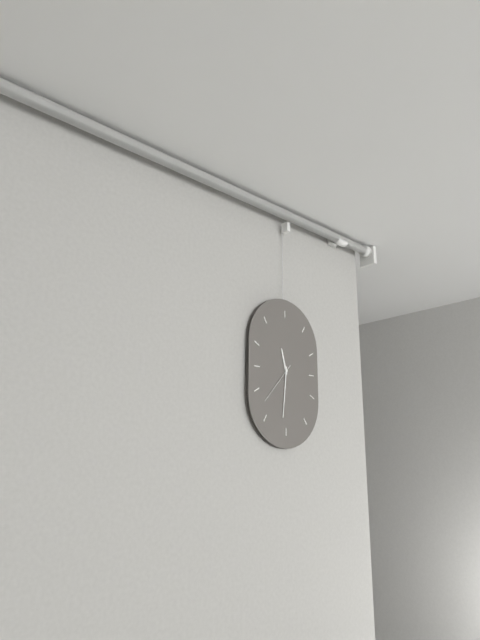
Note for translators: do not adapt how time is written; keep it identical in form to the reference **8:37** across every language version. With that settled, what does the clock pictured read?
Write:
**11:31**
